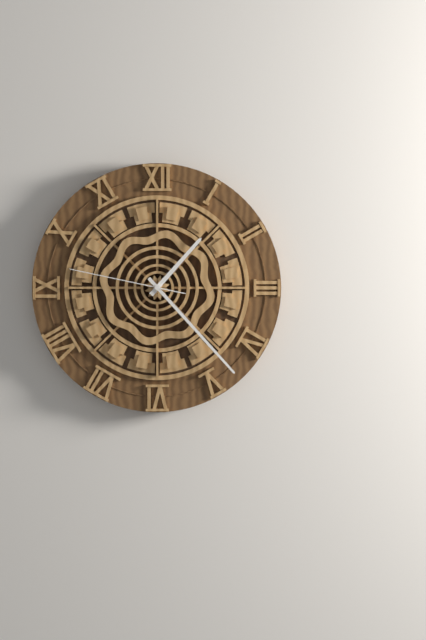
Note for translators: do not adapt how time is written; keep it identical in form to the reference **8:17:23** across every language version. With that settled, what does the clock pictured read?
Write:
**1:23:47**
